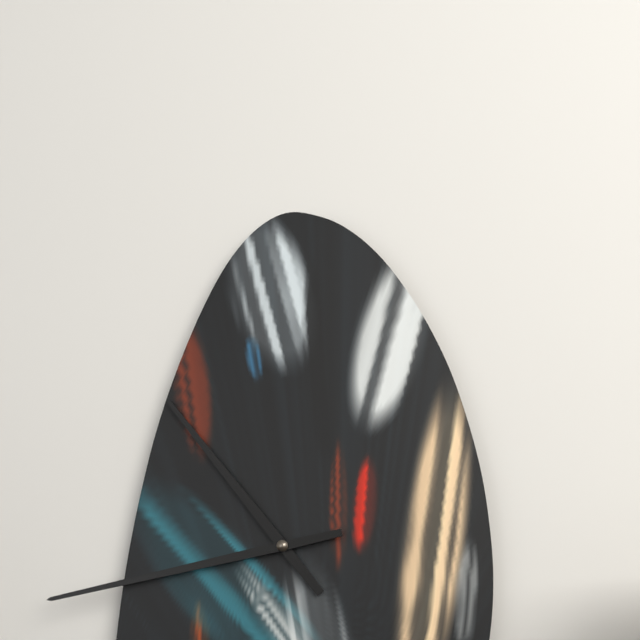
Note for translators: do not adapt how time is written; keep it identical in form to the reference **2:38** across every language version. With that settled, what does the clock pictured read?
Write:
**10:43**
